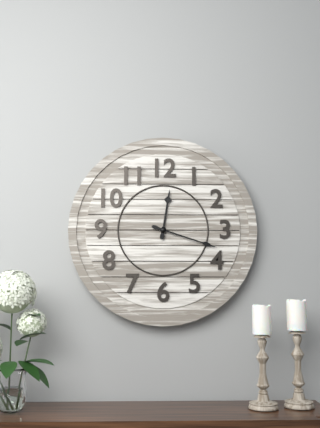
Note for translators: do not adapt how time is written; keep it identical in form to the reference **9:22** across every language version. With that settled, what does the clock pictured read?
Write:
**12:18**
